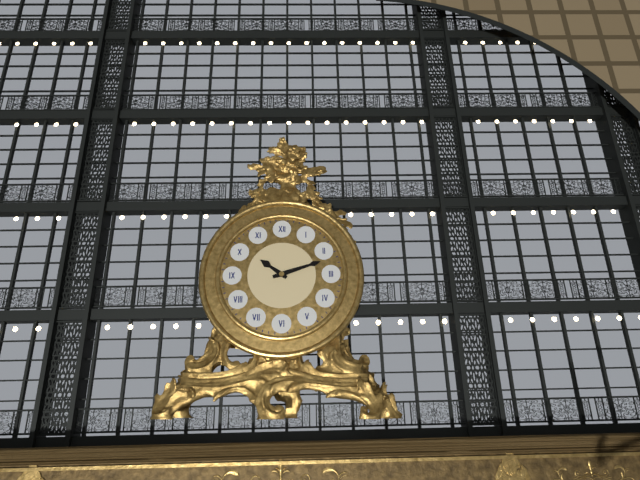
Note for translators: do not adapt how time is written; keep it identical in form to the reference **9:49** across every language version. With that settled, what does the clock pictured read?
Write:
**10:12**
